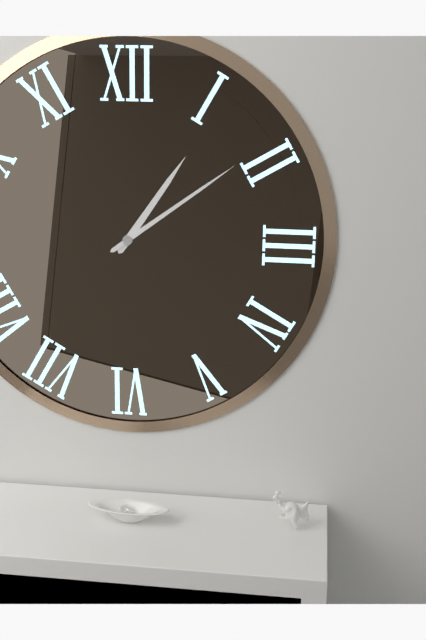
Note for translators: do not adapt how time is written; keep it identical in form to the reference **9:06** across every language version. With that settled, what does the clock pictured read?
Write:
**1:09**
